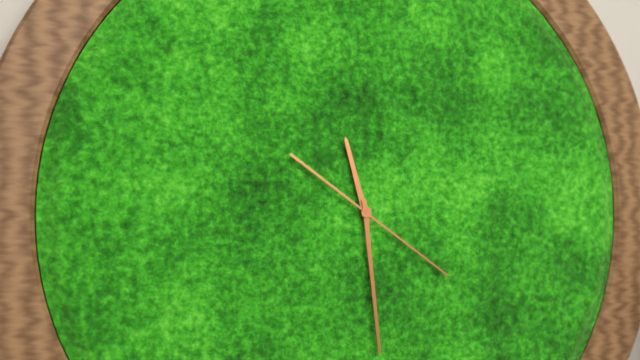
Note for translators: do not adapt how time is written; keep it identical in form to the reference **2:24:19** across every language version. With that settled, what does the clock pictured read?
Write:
**11:29:21**
